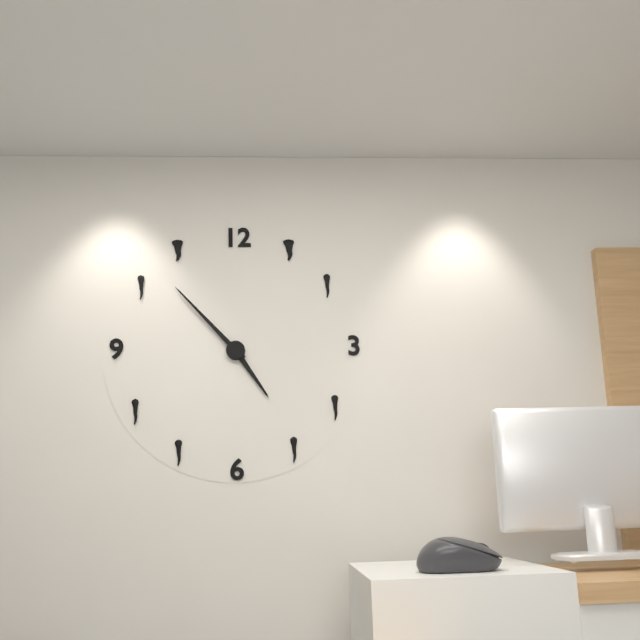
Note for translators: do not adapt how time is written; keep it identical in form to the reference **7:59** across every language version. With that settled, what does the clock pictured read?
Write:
**4:53**
